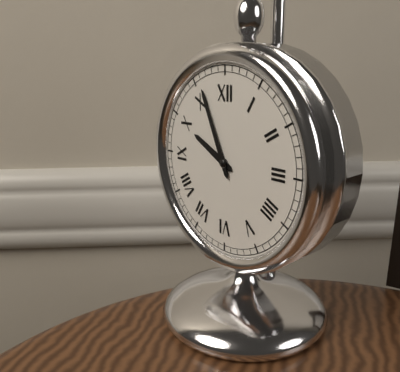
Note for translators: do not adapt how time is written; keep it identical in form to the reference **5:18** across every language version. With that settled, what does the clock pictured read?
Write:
**9:56**
